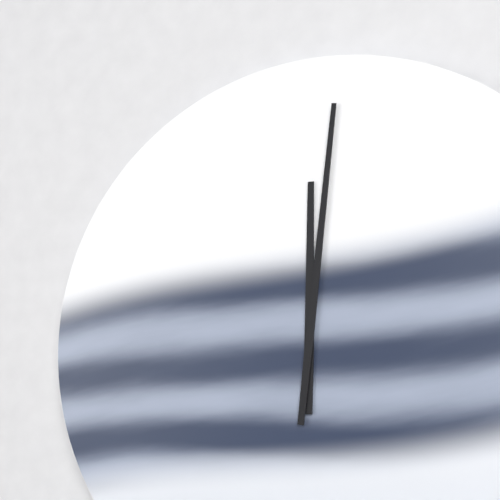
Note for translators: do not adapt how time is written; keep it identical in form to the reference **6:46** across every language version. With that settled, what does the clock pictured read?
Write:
**12:01**
